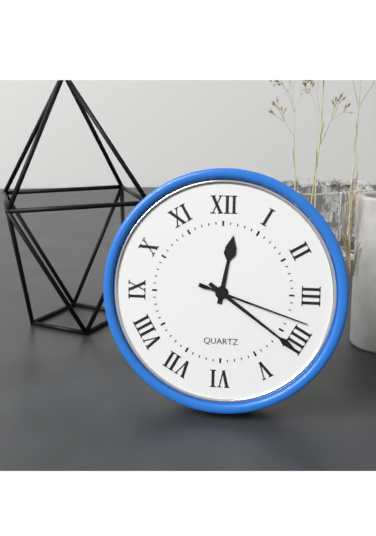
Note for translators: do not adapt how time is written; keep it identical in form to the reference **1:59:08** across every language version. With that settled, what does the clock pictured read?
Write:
**12:21:18**
